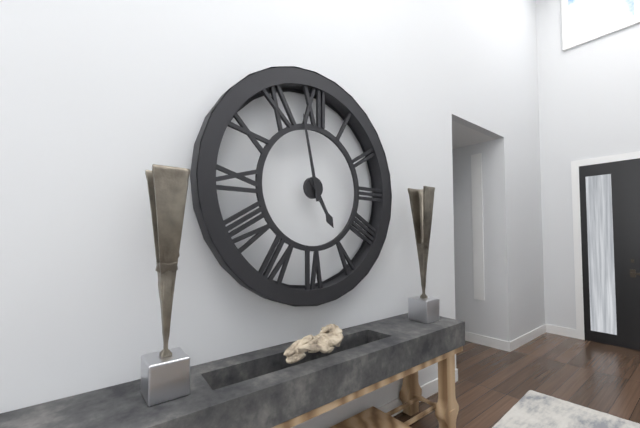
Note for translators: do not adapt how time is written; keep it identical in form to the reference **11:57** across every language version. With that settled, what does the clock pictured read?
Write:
**4:58**
